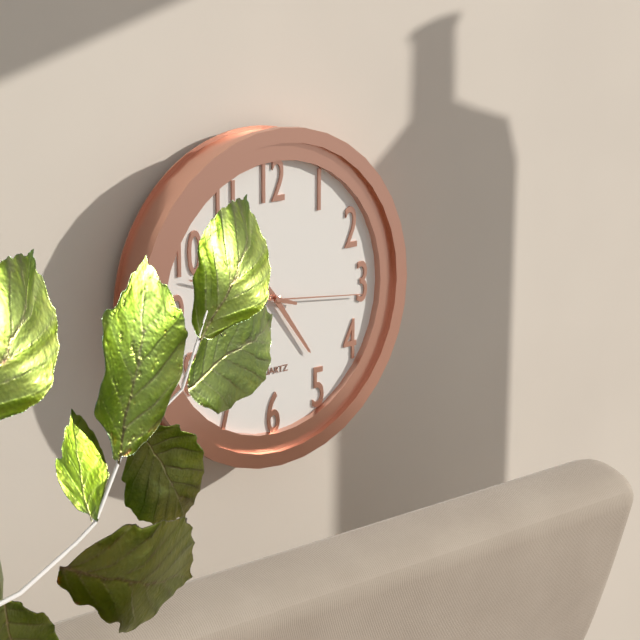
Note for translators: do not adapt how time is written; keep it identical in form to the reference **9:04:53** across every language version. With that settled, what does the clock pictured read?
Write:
**4:48:16**
